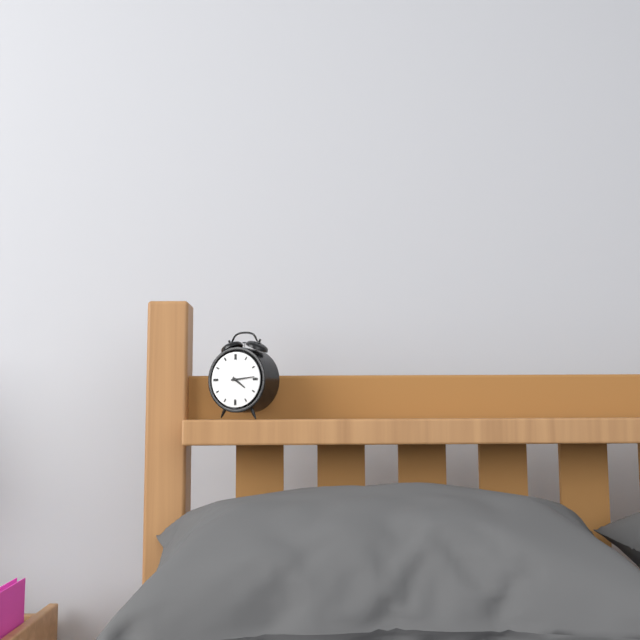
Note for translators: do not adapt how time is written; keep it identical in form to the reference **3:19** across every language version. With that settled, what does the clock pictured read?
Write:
**4:14**
